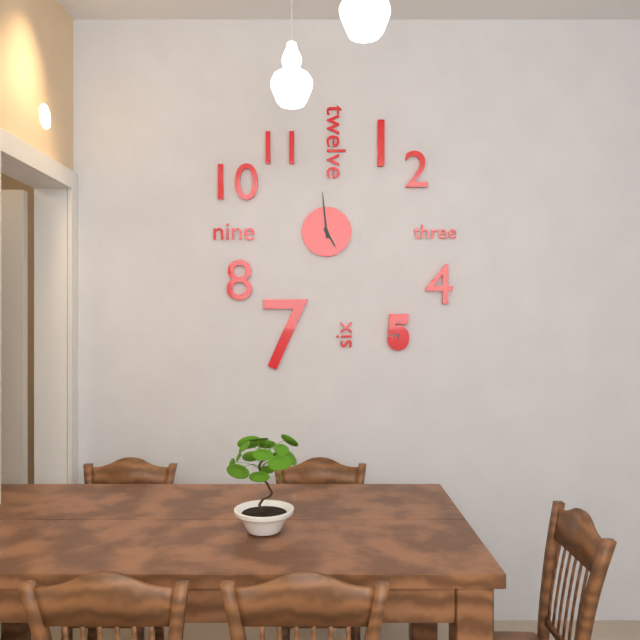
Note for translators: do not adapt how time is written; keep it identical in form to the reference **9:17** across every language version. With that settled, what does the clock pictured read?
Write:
**4:59**
